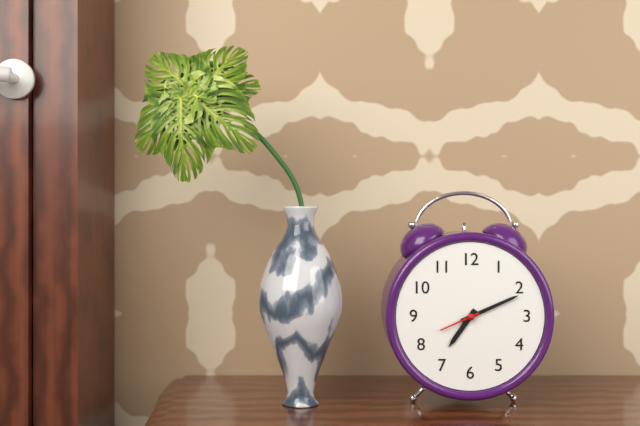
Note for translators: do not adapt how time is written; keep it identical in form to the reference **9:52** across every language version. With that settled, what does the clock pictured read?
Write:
**7:11**
